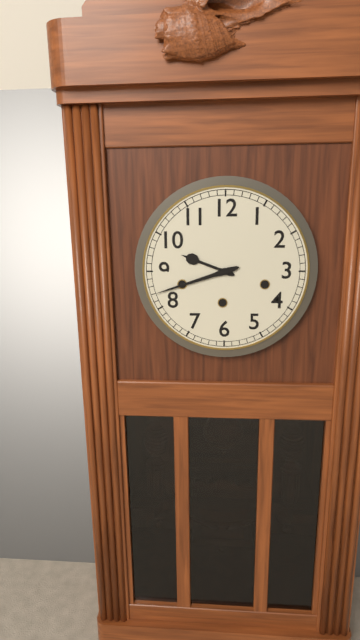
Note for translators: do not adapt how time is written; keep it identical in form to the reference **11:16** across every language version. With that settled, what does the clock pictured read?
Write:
**9:42**
